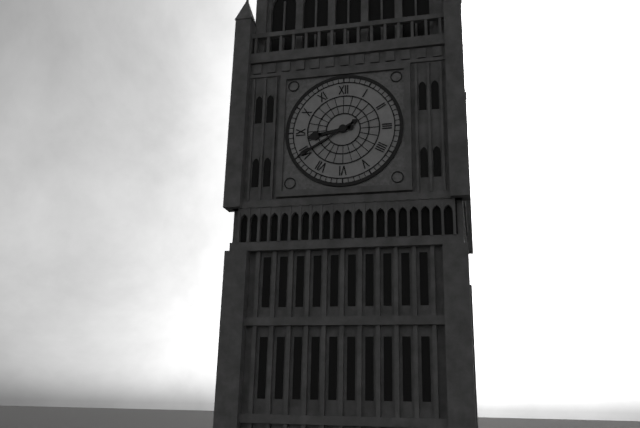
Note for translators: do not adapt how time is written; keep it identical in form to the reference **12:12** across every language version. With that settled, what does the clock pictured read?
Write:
**8:40**
